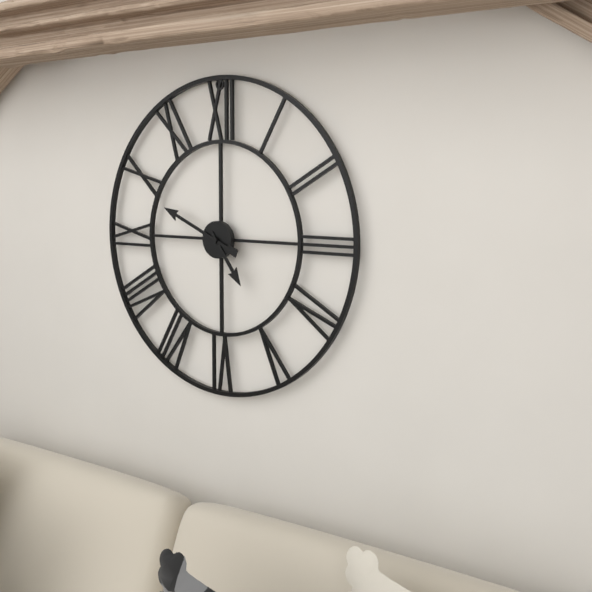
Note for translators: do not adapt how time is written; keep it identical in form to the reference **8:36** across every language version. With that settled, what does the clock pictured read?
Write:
**4:49**
